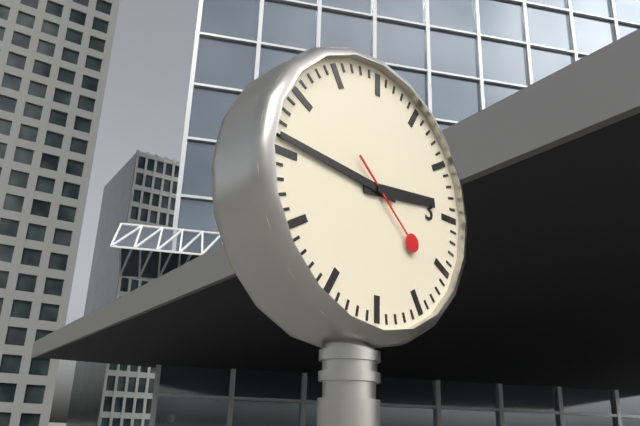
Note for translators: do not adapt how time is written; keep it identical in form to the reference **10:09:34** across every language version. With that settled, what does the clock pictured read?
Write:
**2:46:22**
